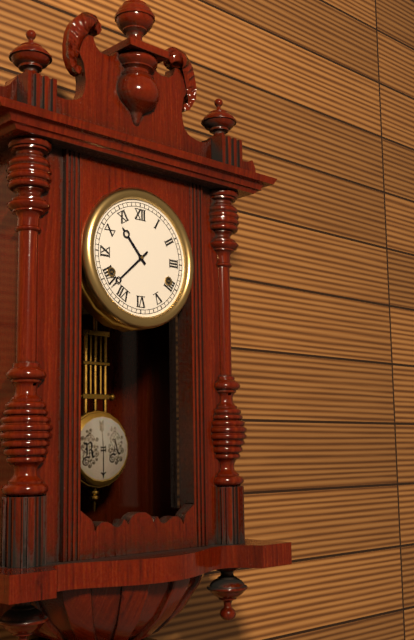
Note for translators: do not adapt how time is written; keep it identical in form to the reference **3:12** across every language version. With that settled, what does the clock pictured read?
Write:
**10:38**
